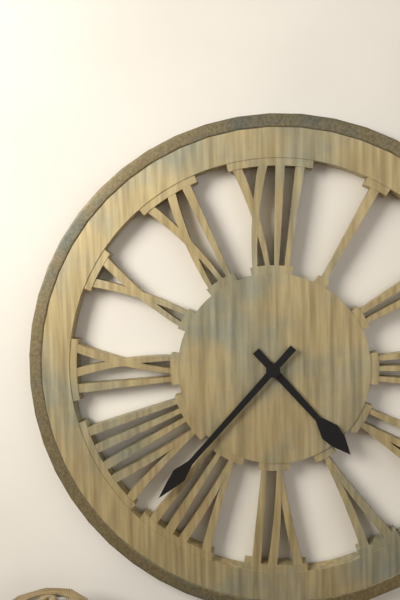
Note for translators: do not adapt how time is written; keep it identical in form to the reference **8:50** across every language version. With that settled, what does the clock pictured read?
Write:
**4:37**
